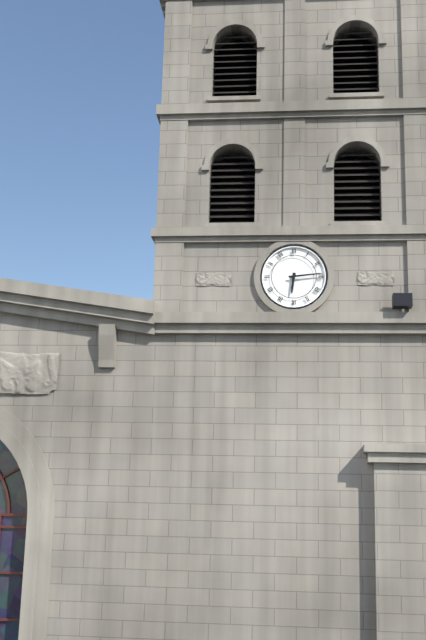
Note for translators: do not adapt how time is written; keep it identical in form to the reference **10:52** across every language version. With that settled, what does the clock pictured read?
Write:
**6:14**
